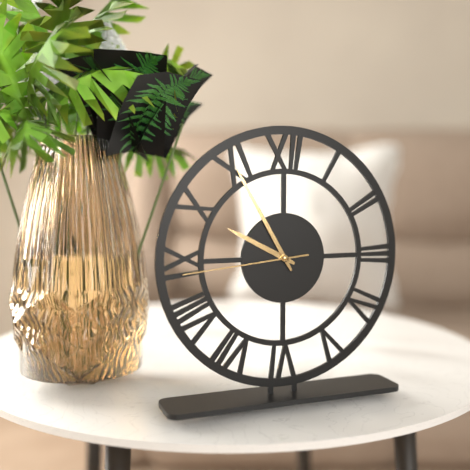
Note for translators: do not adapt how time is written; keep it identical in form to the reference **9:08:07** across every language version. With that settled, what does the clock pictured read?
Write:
**9:55:44**
